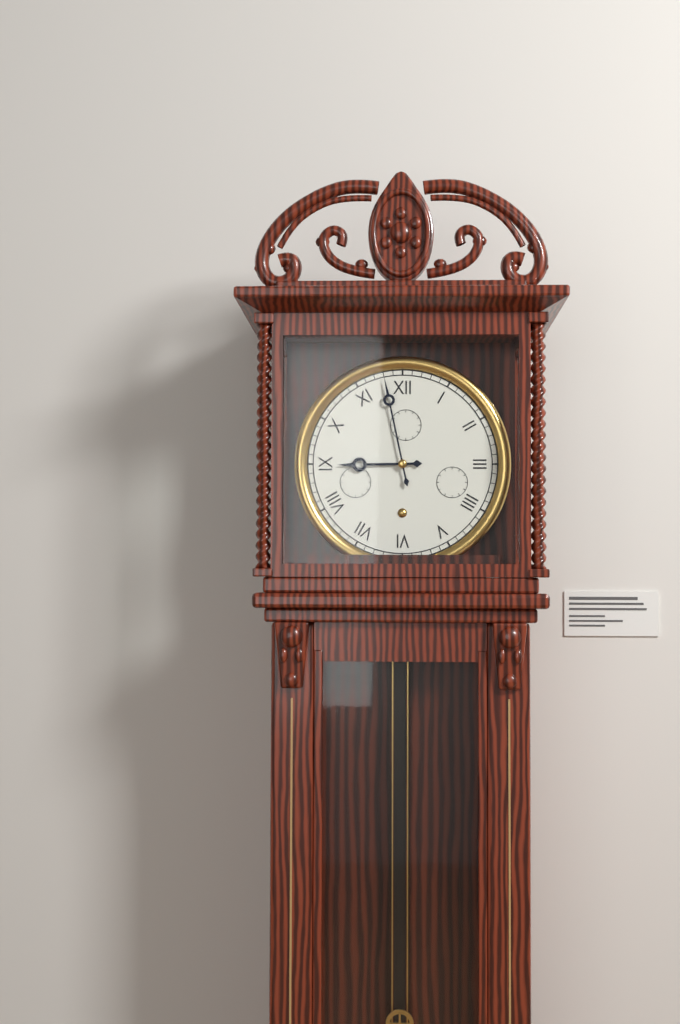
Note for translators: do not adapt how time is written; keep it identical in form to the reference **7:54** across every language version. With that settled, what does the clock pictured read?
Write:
**8:58**
